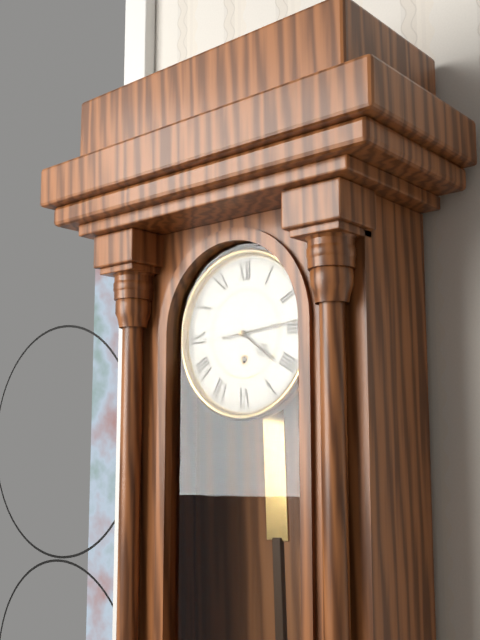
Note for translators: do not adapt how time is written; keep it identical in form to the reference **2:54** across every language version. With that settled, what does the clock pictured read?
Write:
**4:14**
